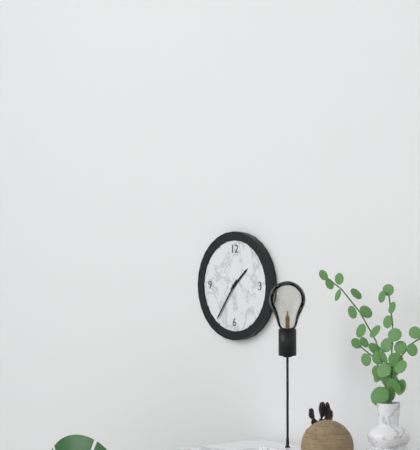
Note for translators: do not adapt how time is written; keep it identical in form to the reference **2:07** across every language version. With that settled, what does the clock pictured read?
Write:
**1:36**
